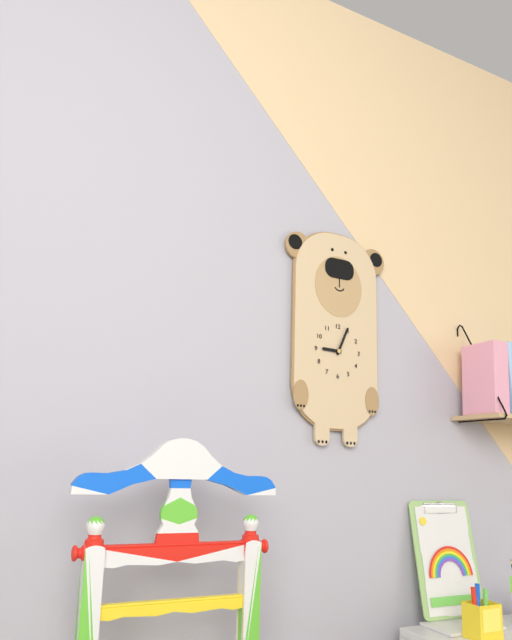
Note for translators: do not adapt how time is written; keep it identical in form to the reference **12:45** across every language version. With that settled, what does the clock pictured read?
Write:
**9:04**
